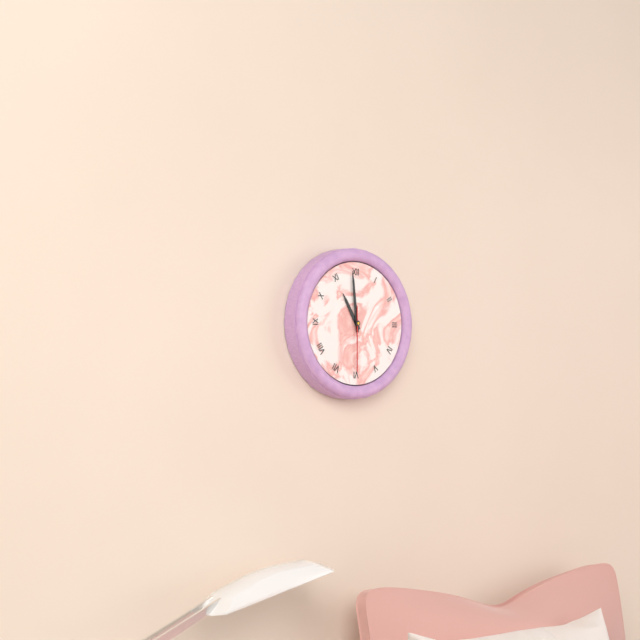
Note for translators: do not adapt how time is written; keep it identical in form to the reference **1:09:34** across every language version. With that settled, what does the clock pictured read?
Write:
**10:59:30**
